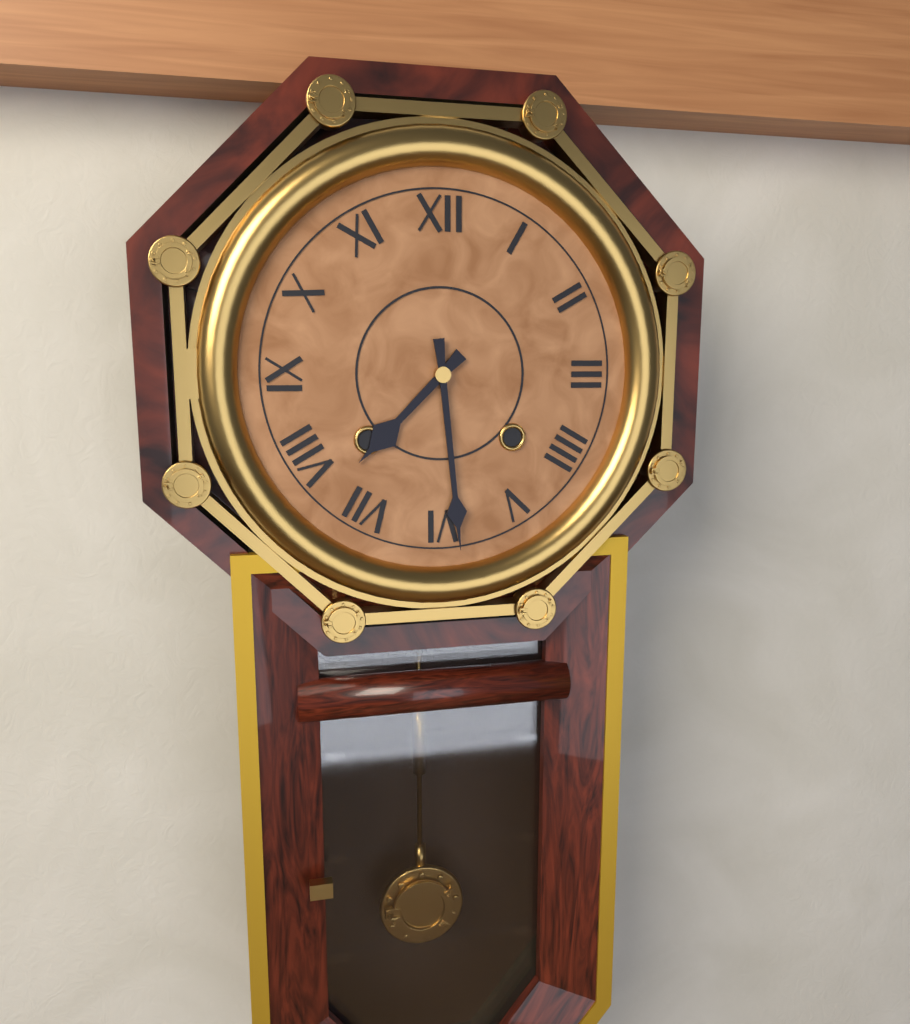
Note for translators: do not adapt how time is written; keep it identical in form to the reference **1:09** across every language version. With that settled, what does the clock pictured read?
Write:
**7:29**
